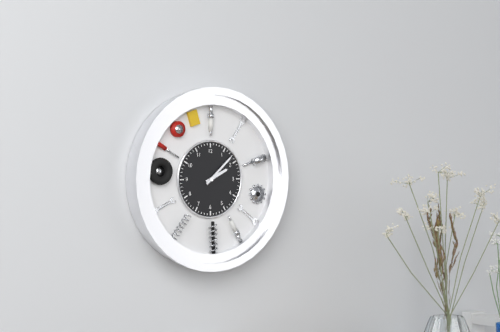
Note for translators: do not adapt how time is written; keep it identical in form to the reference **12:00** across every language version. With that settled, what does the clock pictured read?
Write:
**2:08**
